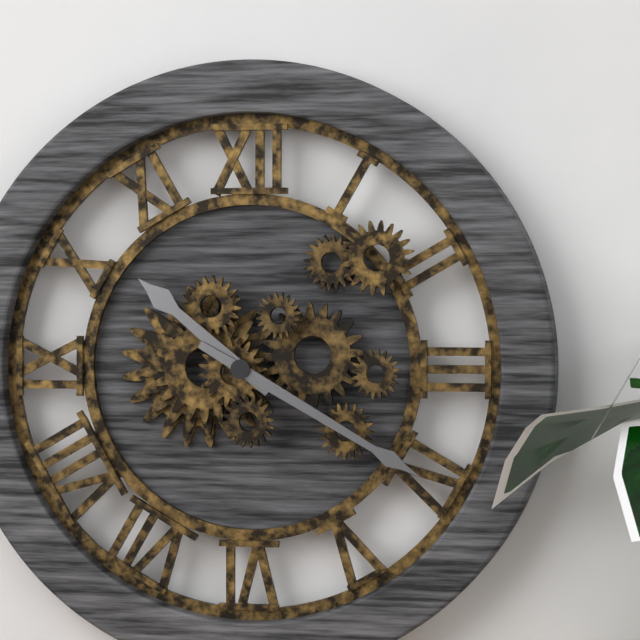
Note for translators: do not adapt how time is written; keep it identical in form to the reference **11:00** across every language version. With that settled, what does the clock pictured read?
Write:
**10:20**
